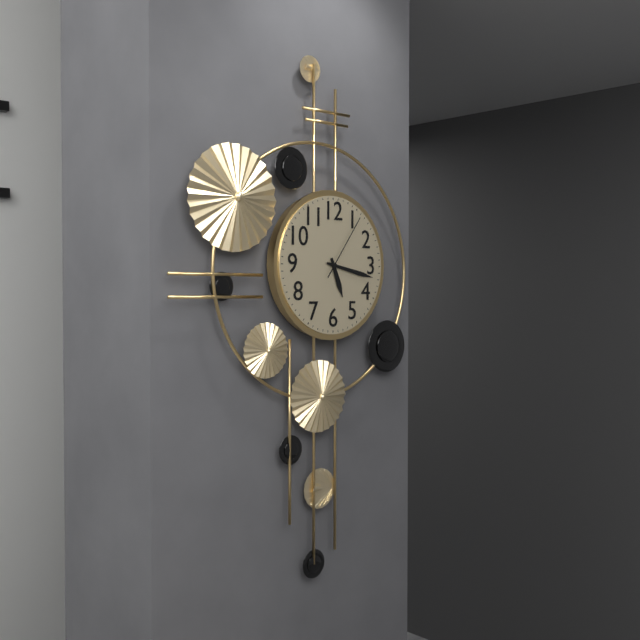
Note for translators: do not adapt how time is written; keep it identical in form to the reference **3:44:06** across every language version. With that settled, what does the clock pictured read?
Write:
**5:17:06**
